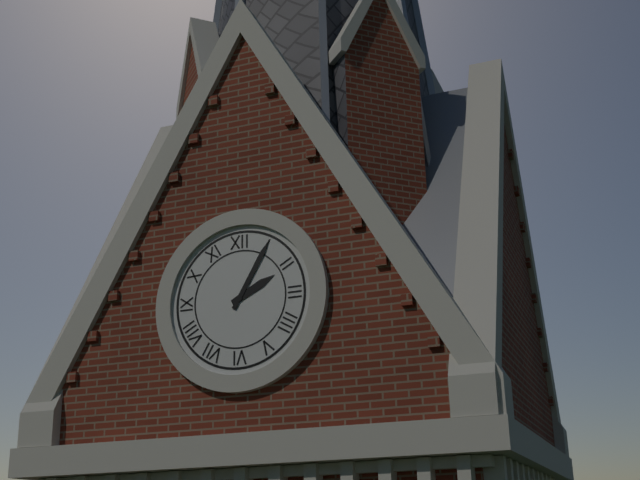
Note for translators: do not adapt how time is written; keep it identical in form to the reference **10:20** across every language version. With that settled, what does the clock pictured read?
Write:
**2:05**
